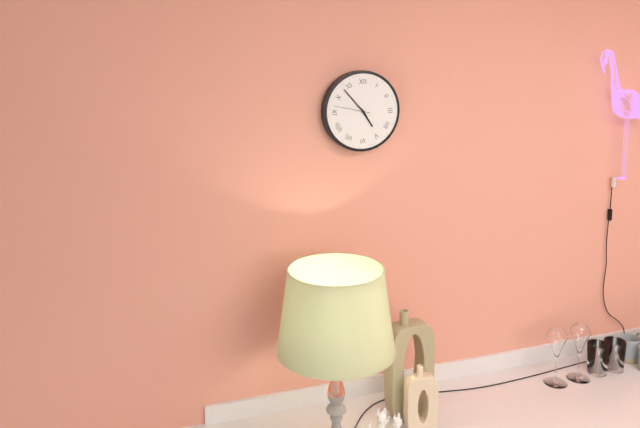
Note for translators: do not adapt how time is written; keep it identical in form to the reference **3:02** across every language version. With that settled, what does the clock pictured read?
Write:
**4:53**
